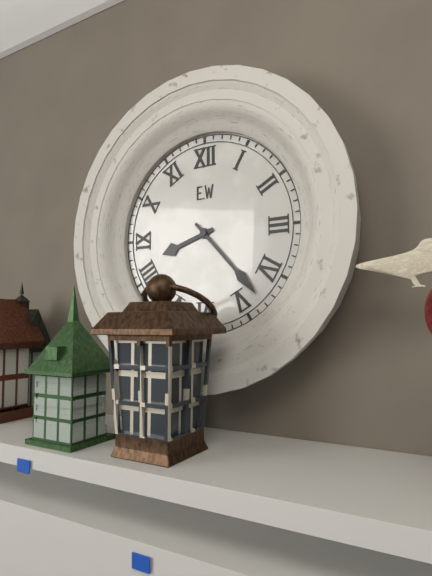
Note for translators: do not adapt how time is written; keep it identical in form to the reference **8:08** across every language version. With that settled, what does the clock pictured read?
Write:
**8:23**
